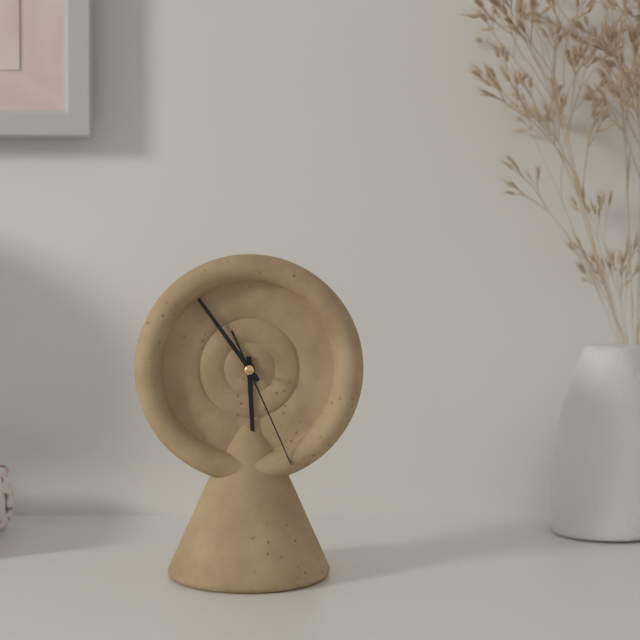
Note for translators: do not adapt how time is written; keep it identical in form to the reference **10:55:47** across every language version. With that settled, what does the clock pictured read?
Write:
**5:54:26**
